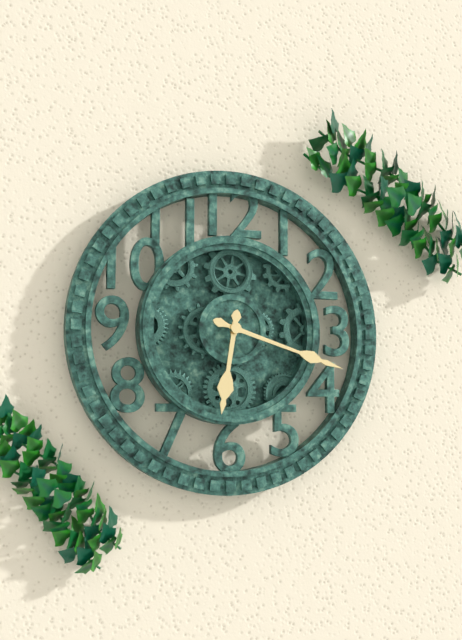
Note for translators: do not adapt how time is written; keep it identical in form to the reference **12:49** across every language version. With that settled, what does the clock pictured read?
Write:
**6:18**
